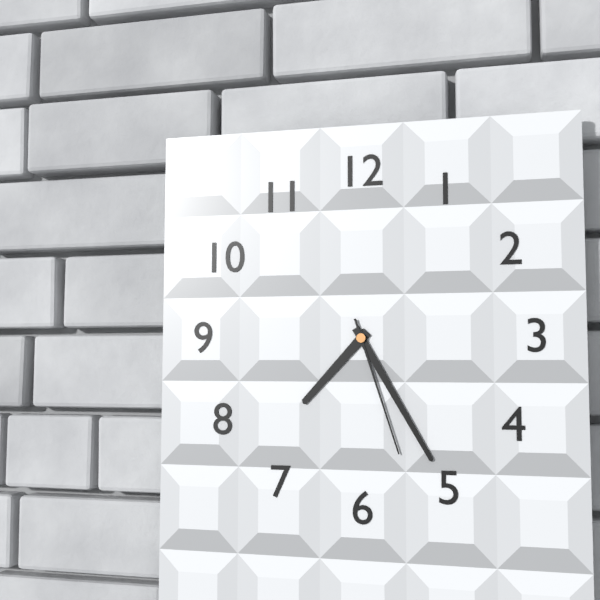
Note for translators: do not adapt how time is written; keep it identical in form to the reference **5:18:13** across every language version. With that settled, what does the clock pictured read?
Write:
**7:25:27**
